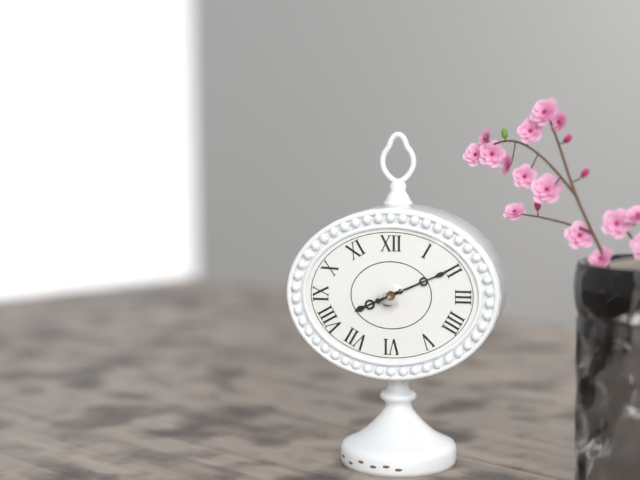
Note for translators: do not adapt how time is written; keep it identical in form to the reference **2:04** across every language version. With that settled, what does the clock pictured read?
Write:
**8:11**
